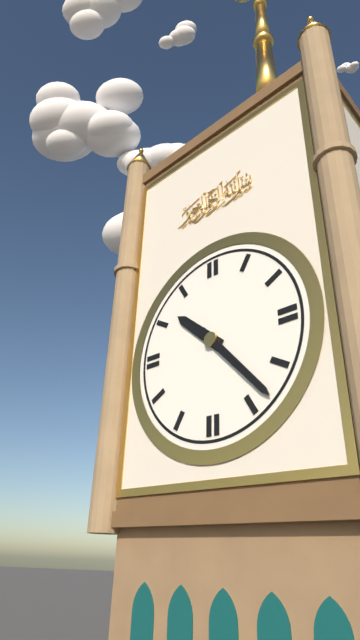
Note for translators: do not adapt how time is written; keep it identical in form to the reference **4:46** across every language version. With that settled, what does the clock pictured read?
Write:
**10:23**
